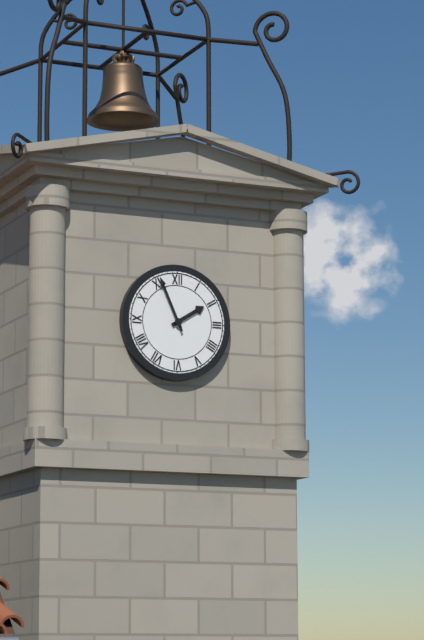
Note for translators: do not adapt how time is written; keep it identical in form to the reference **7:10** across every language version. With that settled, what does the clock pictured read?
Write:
**1:56**
